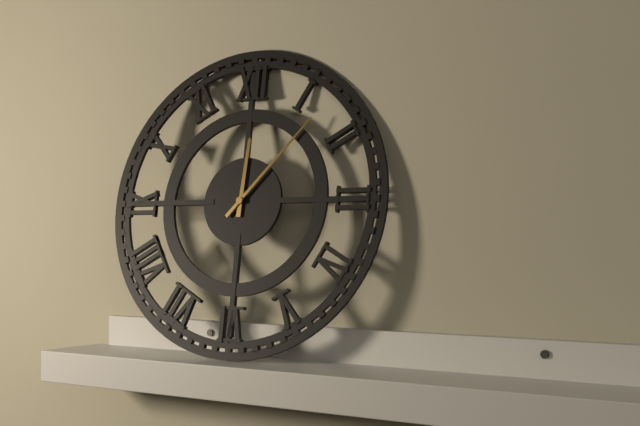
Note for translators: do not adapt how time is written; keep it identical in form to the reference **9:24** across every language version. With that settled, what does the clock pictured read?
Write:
**12:07**
